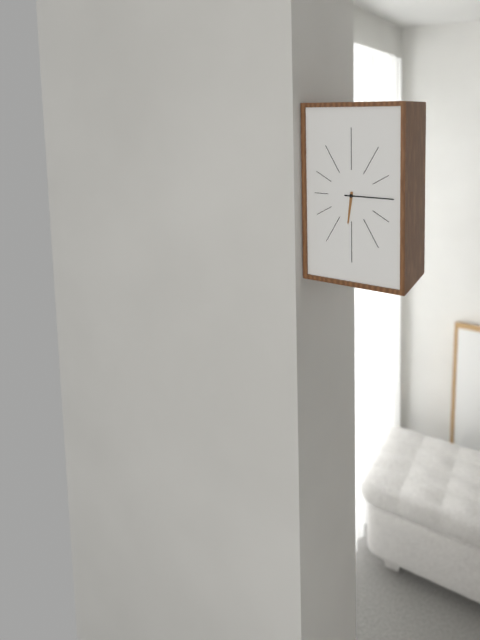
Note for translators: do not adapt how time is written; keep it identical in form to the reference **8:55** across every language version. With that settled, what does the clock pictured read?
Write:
**6:15**
